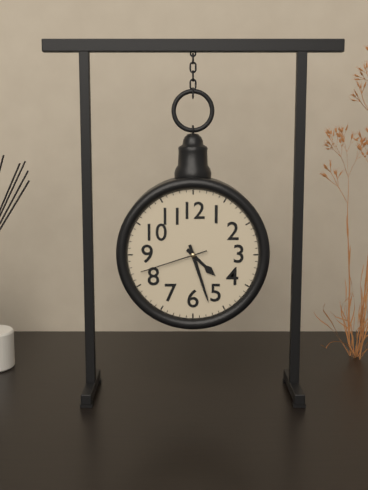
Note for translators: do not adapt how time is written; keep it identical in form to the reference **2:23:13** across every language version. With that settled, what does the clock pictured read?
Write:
**4:27:42**
